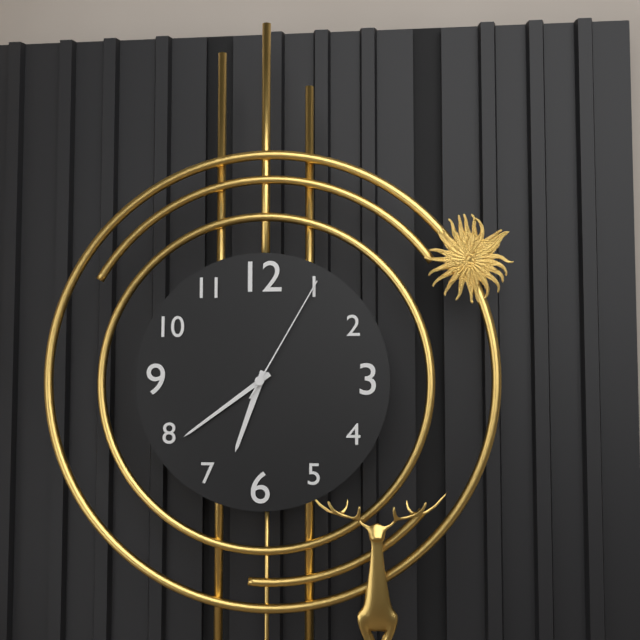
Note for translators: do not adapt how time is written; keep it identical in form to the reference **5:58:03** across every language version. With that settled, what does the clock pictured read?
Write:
**6:39:05**
